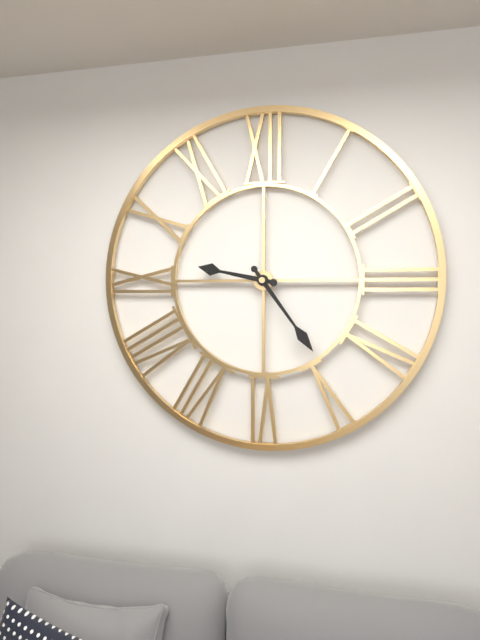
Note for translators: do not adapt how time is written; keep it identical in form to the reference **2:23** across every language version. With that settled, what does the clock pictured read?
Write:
**9:24**
